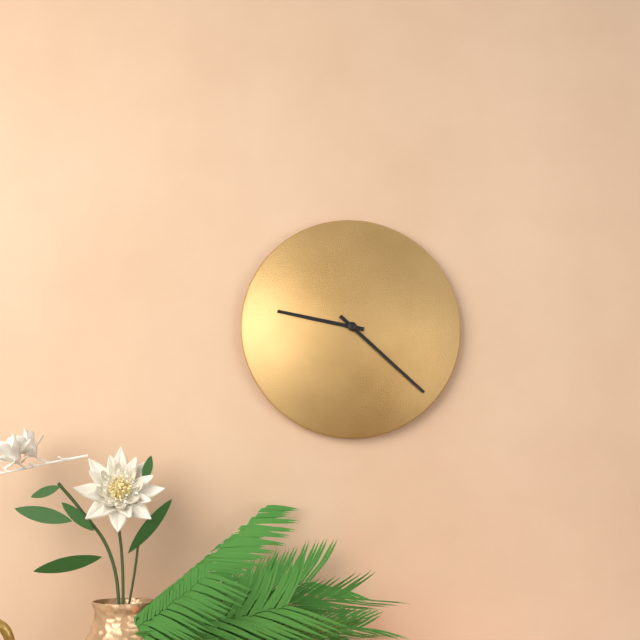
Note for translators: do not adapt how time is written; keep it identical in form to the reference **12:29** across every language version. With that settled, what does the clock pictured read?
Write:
**9:22**
